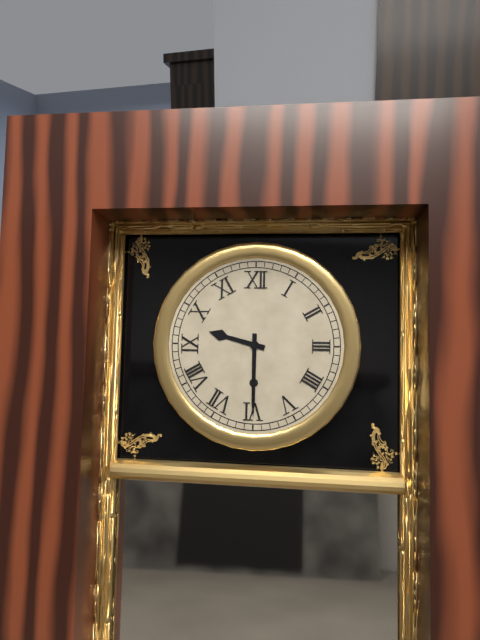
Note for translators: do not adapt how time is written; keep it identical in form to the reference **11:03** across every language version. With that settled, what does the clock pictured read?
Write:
**9:30**
